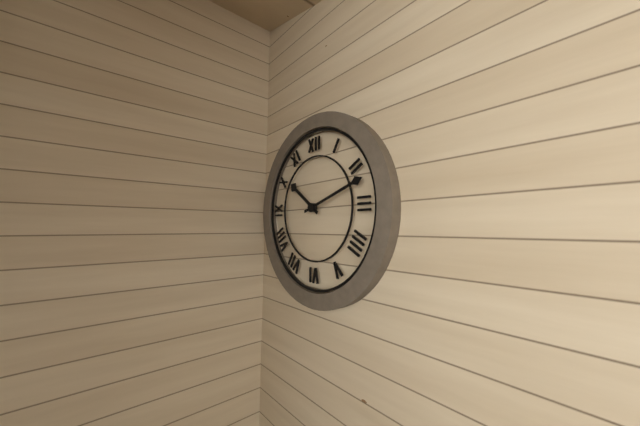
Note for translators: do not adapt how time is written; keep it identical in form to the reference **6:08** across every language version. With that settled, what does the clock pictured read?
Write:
**10:12**
